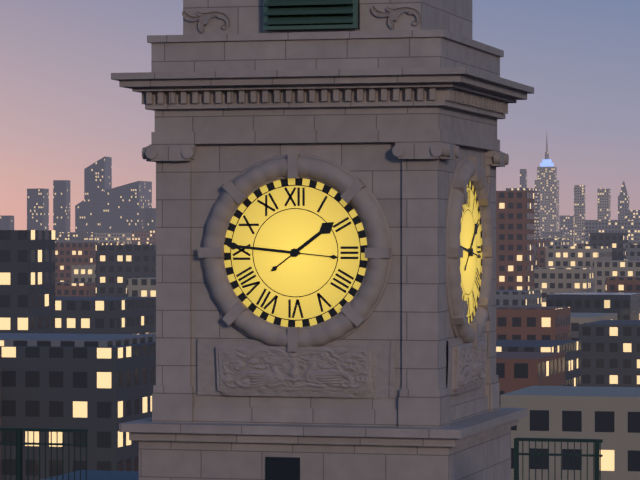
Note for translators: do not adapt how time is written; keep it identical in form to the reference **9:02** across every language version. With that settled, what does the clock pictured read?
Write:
**1:46**
